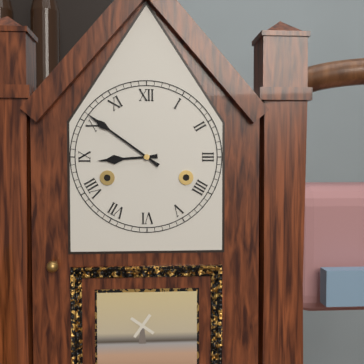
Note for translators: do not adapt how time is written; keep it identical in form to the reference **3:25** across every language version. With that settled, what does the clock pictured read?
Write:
**8:51**
